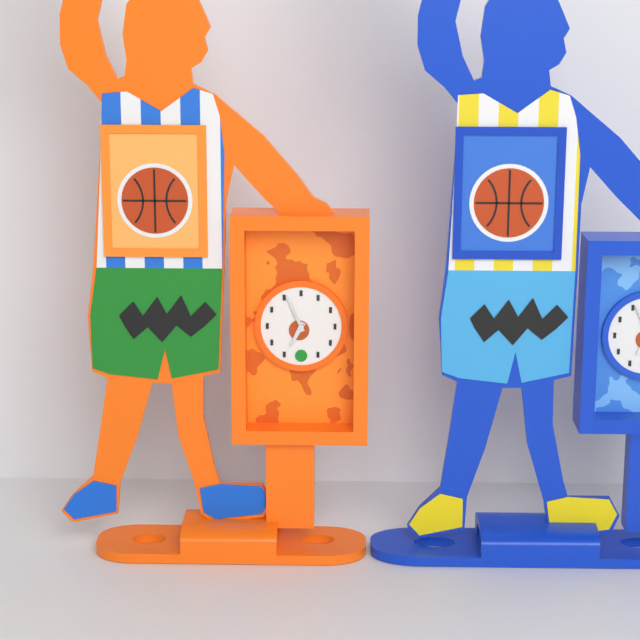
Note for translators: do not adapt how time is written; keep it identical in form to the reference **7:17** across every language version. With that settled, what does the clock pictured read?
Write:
**6:56**
